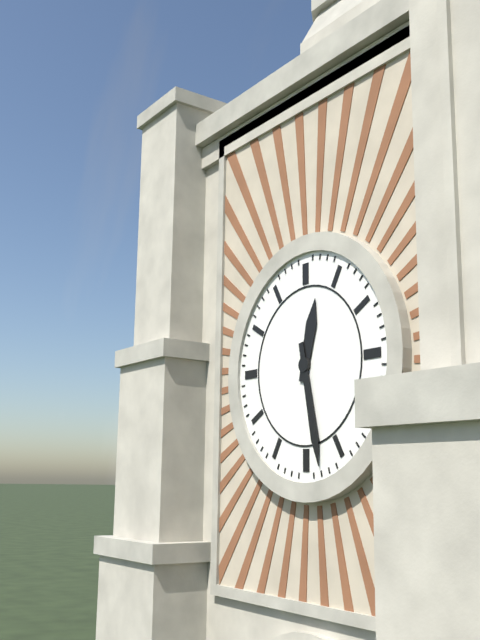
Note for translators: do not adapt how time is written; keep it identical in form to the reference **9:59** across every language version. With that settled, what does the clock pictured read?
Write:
**12:28**
